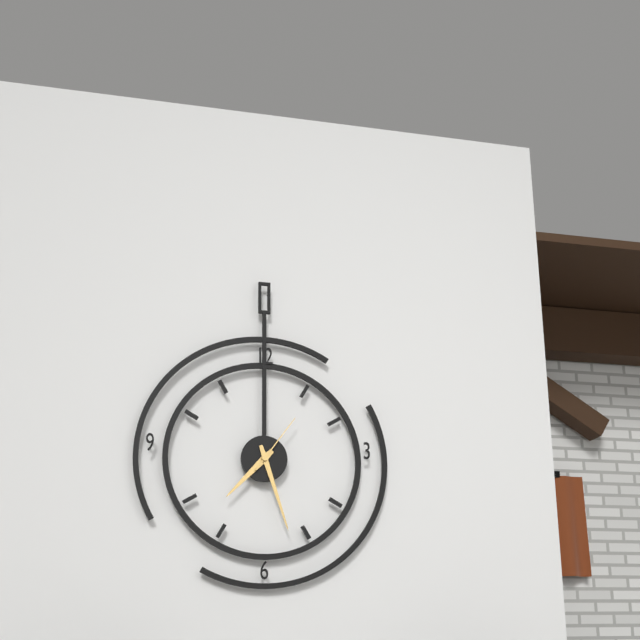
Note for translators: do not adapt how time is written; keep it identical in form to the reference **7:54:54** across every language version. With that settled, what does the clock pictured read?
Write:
**7:27:06**
